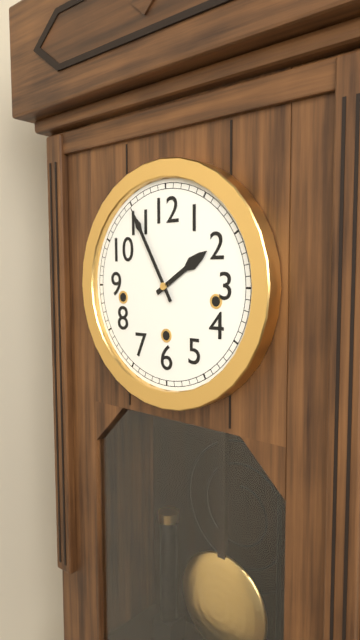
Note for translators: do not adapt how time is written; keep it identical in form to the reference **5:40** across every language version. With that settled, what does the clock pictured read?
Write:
**1:55**
